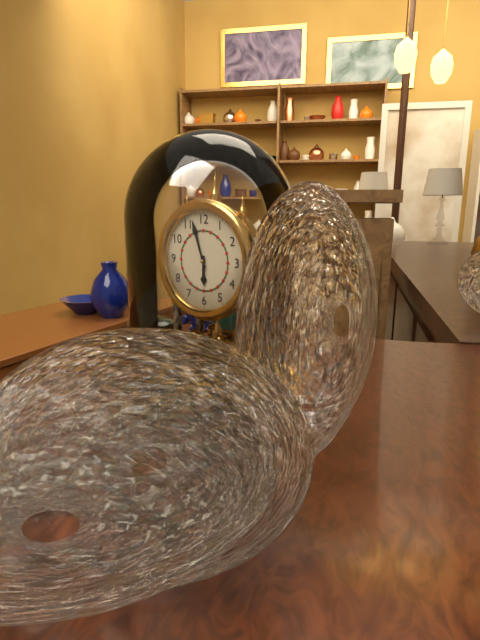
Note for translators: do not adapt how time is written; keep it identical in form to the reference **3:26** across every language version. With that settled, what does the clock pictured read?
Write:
**5:57**
